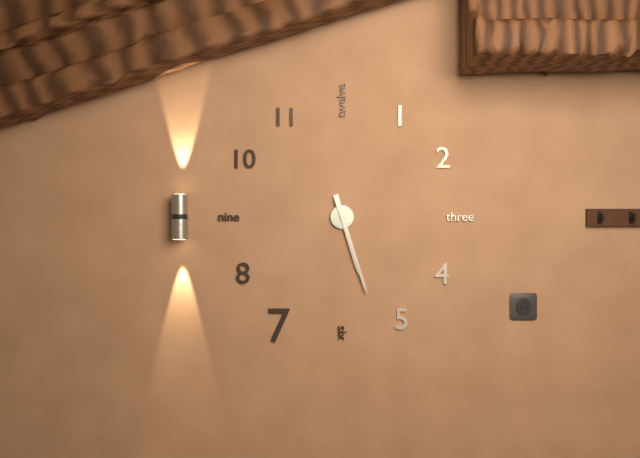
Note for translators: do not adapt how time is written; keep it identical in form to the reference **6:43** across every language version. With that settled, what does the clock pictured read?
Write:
**5:27**
